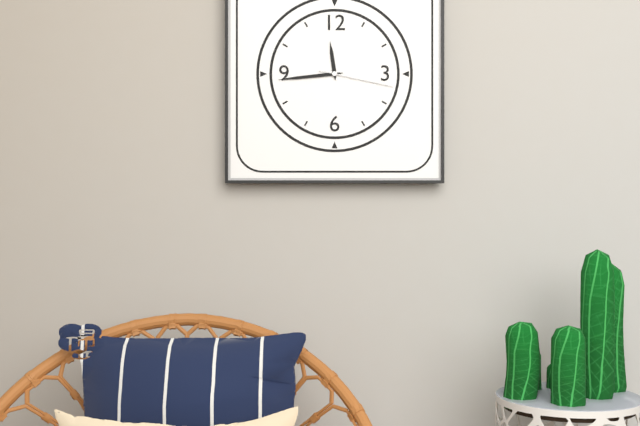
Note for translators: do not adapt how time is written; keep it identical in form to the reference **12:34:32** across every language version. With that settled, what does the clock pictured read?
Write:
**11:44:17**
